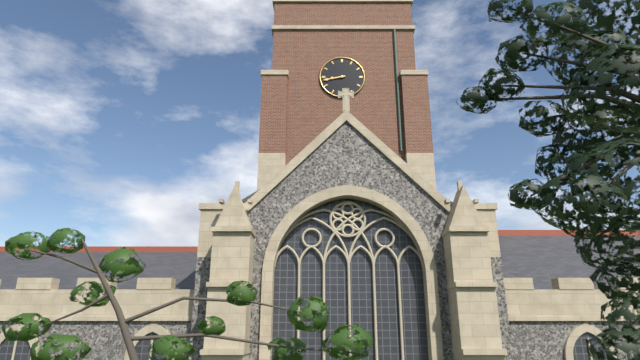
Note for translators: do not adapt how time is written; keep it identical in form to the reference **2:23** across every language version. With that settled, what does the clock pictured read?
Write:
**8:43**
